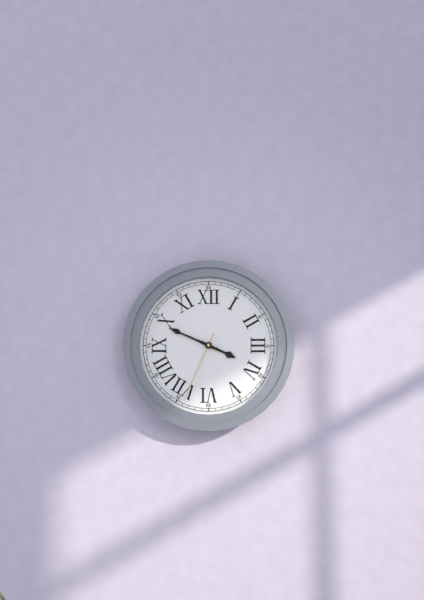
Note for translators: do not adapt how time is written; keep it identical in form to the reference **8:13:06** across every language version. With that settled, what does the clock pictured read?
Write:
**3:49:34**
